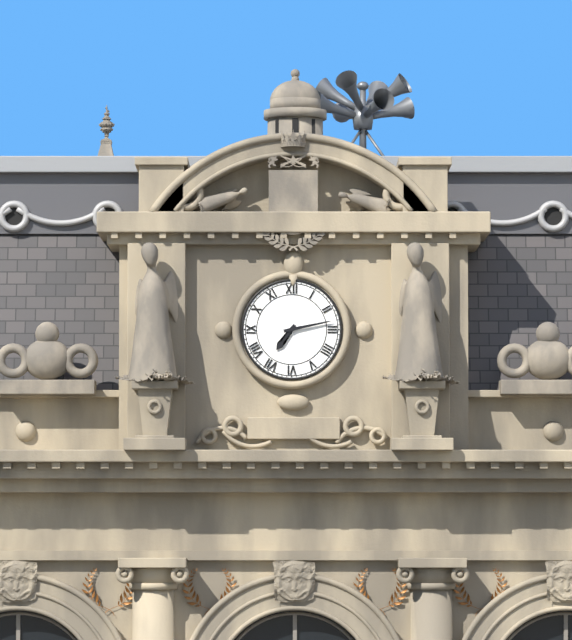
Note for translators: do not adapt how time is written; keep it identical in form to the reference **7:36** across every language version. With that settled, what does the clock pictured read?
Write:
**7:13**
